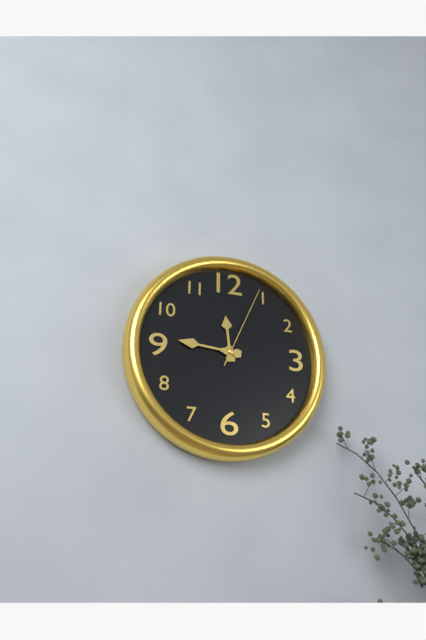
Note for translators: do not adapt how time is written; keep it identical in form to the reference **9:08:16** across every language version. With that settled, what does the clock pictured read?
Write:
**11:46:04**
